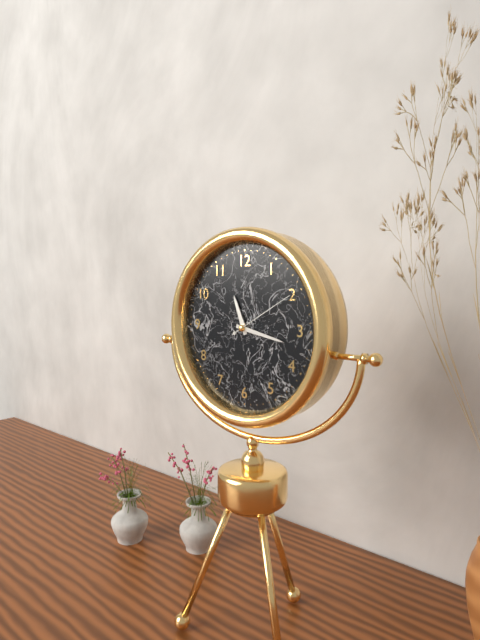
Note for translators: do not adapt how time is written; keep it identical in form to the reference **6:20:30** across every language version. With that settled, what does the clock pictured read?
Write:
**11:17:10**
